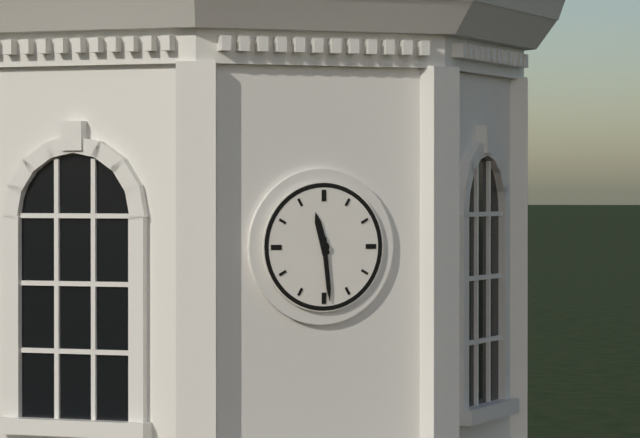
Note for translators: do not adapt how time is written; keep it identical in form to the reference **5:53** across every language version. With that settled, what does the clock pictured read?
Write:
**11:29**
